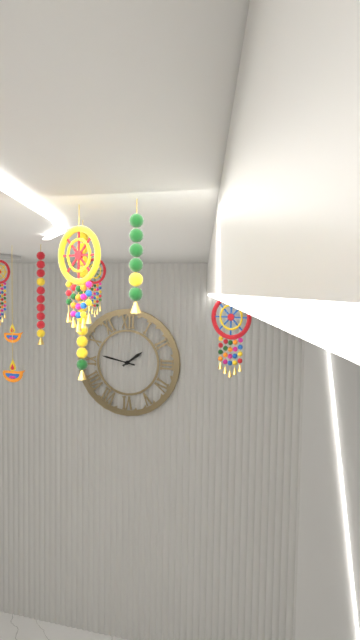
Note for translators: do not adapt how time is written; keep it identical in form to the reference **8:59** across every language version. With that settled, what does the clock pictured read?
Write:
**1:47**
